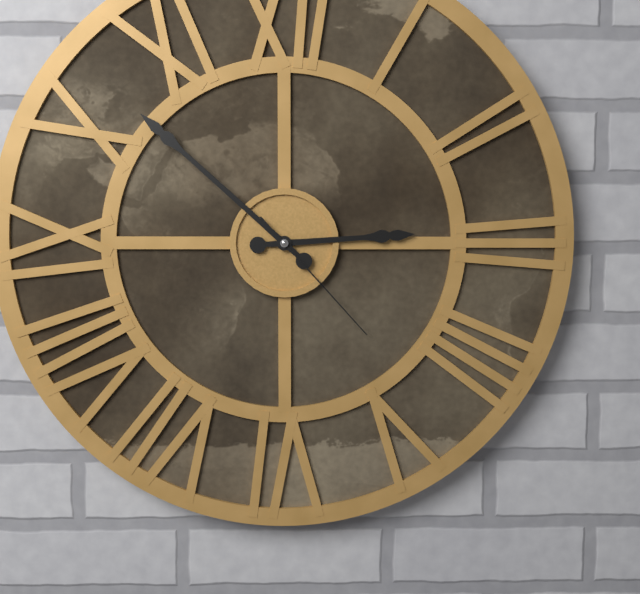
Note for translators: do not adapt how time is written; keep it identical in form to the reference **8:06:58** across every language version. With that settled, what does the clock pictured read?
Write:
**2:52:23**
